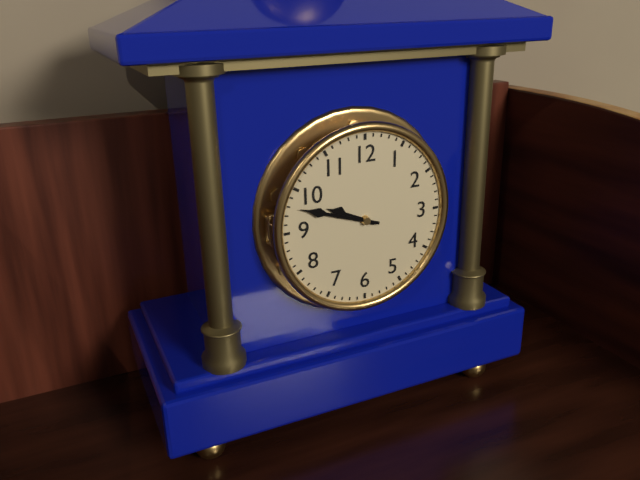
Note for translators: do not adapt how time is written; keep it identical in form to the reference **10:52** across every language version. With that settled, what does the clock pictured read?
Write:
**9:48**
